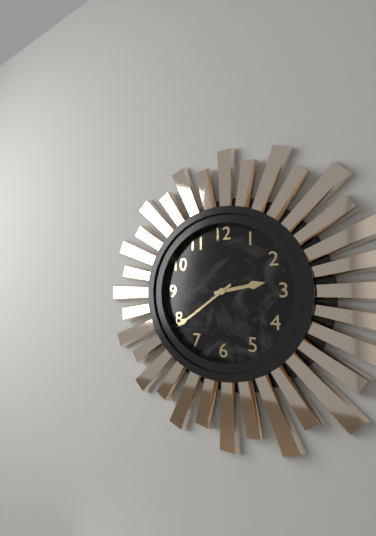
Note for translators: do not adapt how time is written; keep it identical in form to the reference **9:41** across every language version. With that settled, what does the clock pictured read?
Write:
**2:39**
